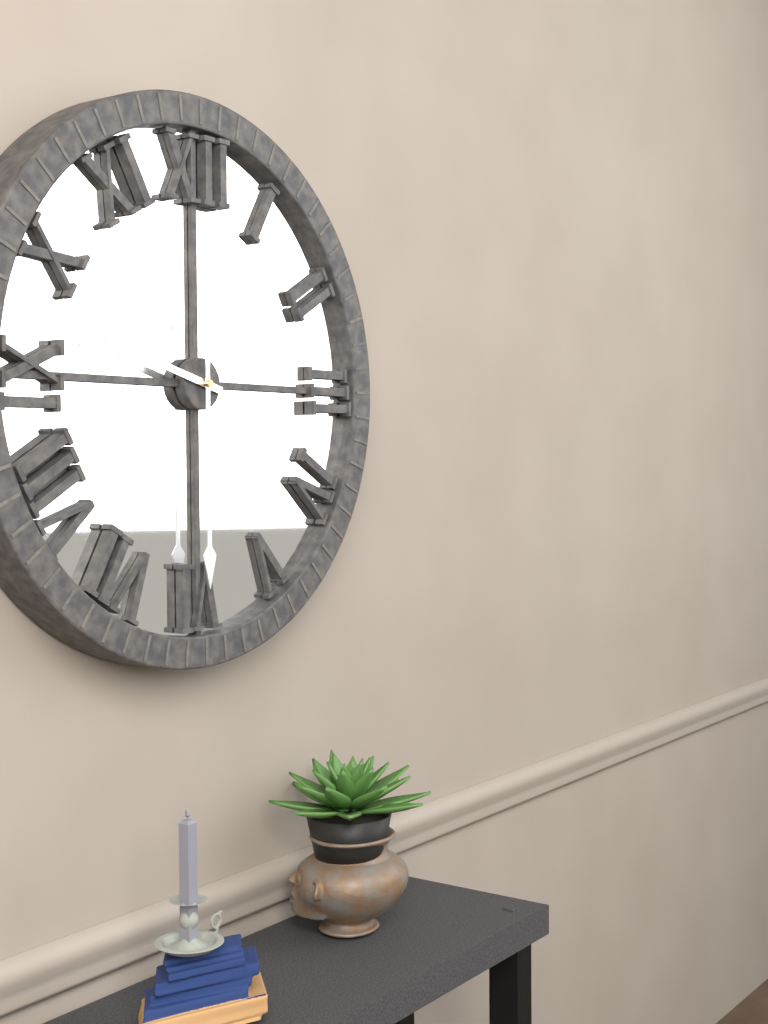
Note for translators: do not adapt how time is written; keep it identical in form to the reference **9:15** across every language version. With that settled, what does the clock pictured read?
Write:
**9:30**
